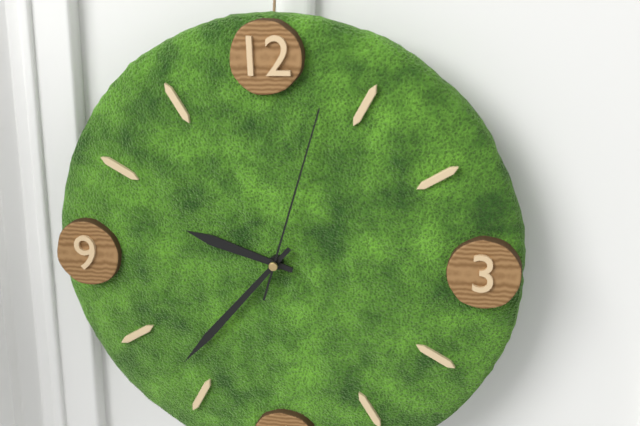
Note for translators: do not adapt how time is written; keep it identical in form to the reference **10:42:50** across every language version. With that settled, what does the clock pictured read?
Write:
**9:37:03**
